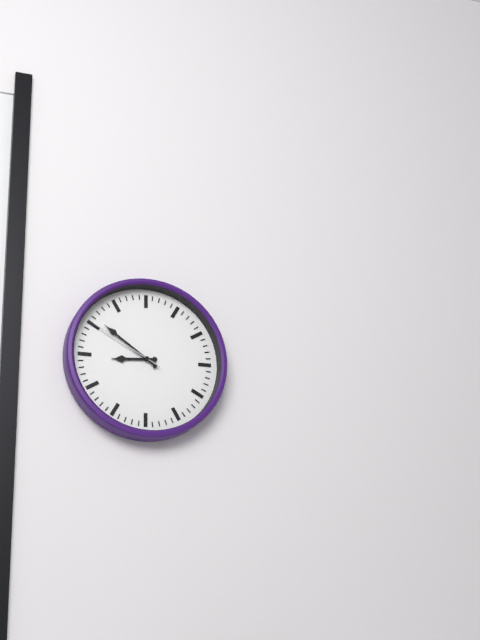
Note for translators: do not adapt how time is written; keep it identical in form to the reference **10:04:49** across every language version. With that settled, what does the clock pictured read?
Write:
**8:51:50**
